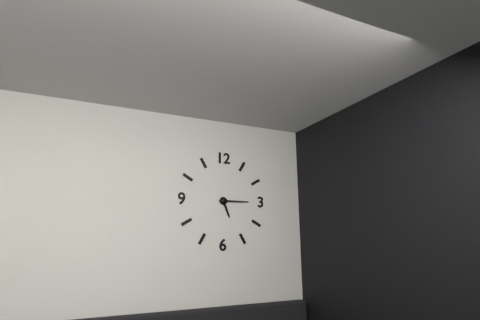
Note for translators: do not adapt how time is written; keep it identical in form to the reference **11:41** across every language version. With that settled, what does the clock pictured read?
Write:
**5:15**
